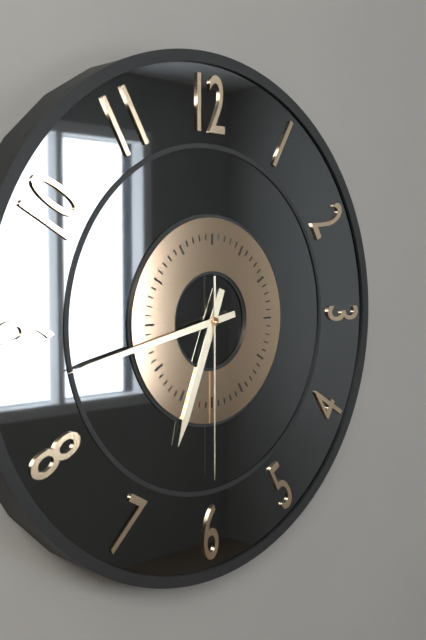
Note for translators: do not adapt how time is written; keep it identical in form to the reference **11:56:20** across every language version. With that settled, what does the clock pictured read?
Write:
**6:43:30**
